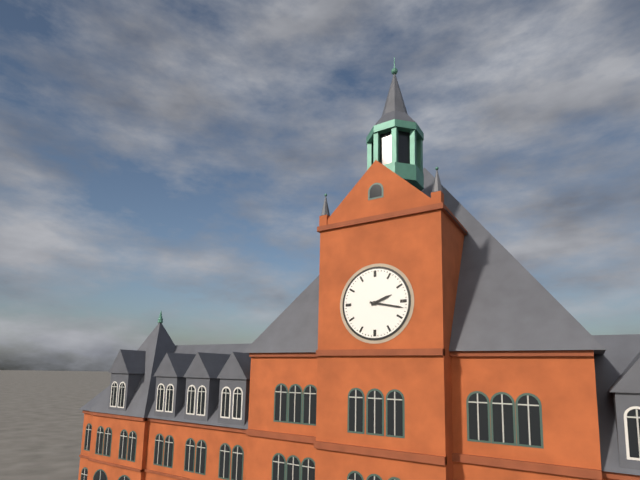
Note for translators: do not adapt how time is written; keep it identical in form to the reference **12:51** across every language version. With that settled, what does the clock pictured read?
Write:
**2:17**
